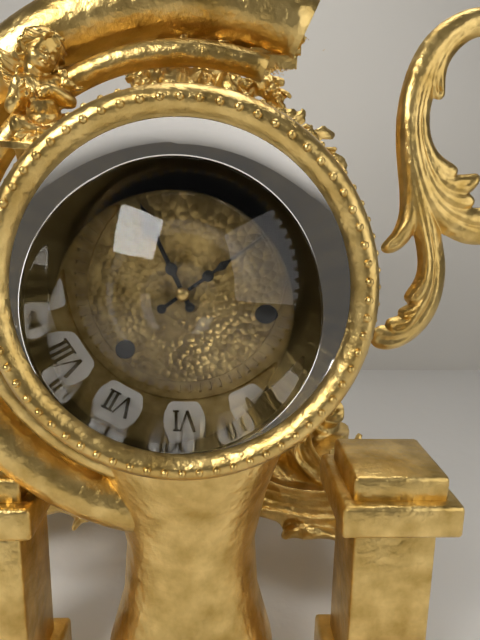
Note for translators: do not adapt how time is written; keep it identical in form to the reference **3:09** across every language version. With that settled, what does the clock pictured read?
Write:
**11:09**
